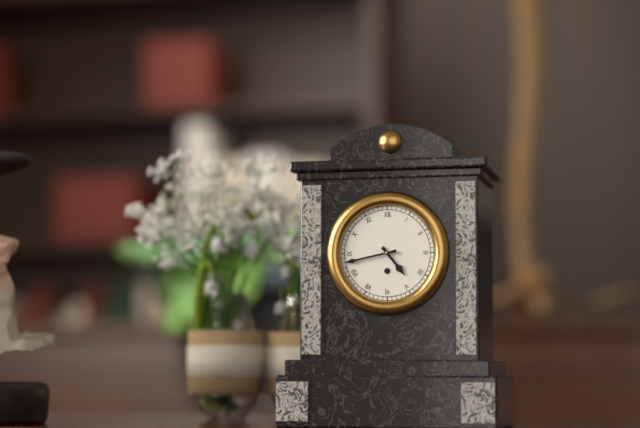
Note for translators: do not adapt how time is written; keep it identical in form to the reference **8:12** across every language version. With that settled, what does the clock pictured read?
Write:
**4:43**
